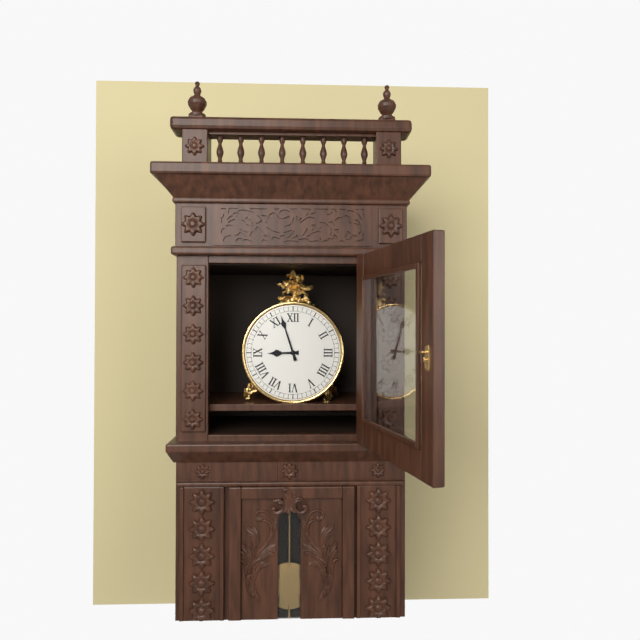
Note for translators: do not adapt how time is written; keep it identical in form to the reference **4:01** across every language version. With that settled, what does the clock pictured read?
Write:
**8:57**
